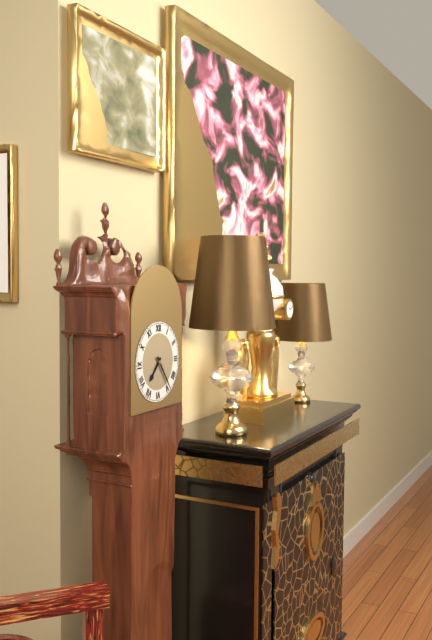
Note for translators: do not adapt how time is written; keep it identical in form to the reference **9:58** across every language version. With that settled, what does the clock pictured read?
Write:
**7:24**
